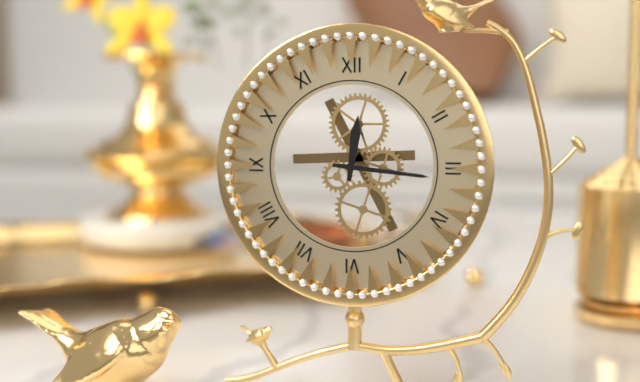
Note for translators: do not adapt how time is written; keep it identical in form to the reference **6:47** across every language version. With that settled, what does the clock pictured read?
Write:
**12:16**
